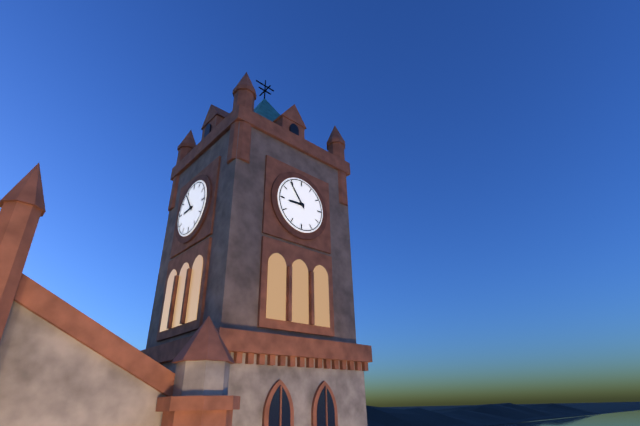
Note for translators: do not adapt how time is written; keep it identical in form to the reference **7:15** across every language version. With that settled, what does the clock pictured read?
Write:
**8:54**
